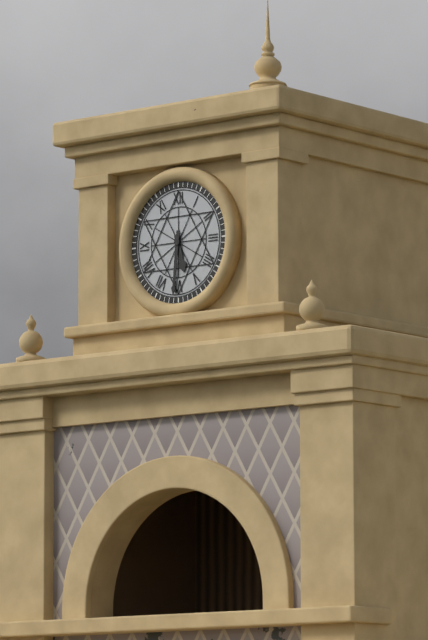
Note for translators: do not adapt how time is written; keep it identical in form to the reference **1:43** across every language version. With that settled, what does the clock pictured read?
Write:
**5:31**
